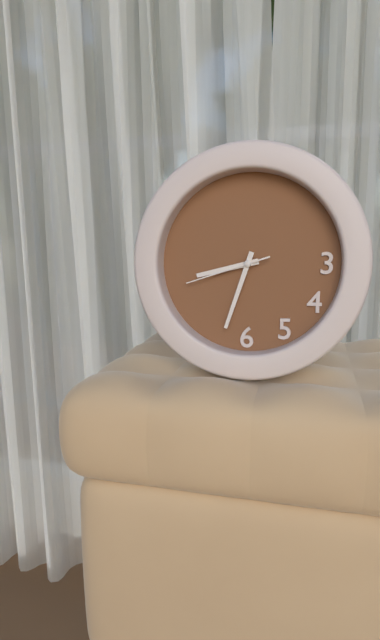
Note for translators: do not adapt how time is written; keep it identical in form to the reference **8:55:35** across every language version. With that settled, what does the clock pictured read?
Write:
**8:33:42**
